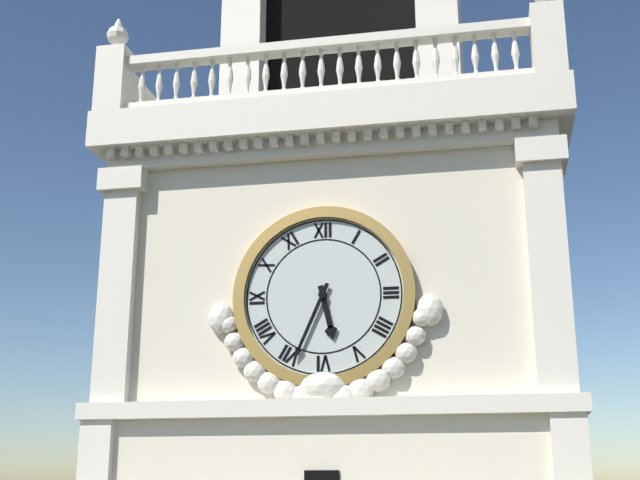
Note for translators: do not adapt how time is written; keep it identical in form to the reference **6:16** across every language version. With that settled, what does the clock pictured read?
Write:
**5:34**
